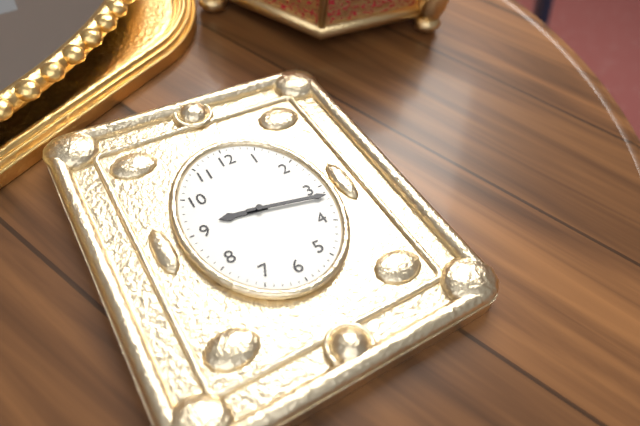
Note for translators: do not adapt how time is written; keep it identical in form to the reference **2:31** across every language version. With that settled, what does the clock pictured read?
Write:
**9:17**
